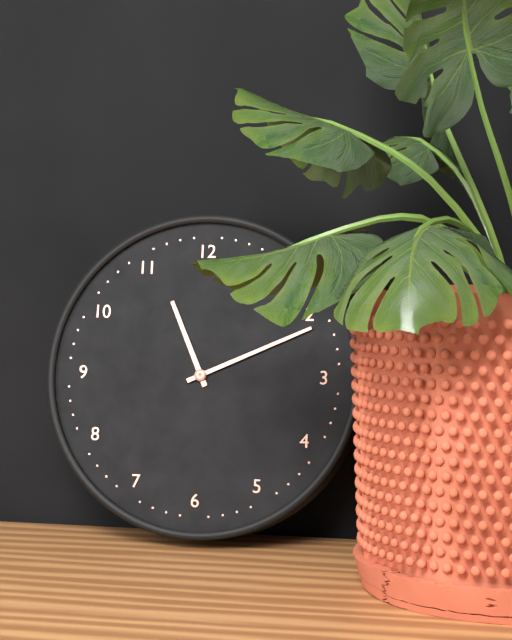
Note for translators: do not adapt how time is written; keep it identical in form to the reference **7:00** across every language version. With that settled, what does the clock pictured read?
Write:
**11:11**
